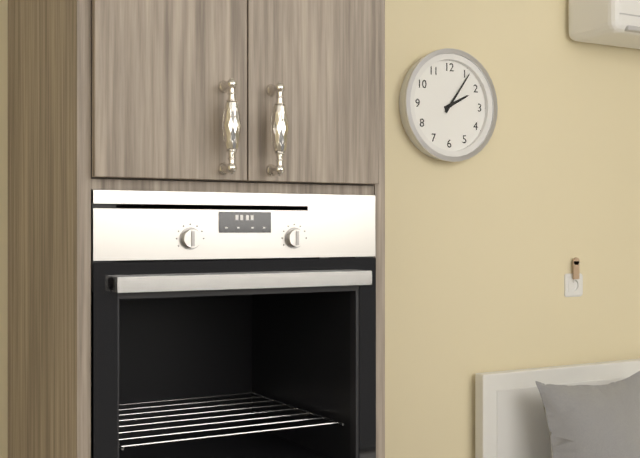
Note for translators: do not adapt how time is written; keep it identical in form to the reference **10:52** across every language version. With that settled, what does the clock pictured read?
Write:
**2:06**
